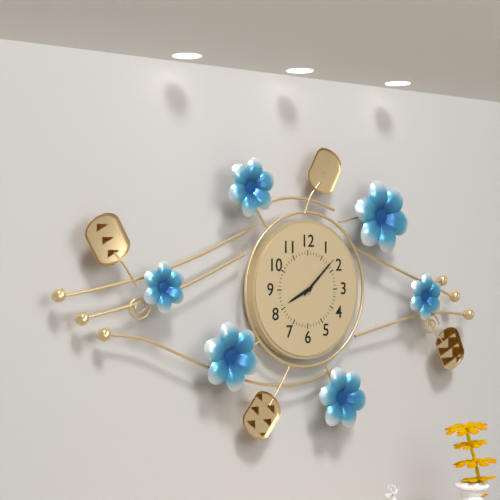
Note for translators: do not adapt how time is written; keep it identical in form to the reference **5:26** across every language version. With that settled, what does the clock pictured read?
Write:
**8:08**
